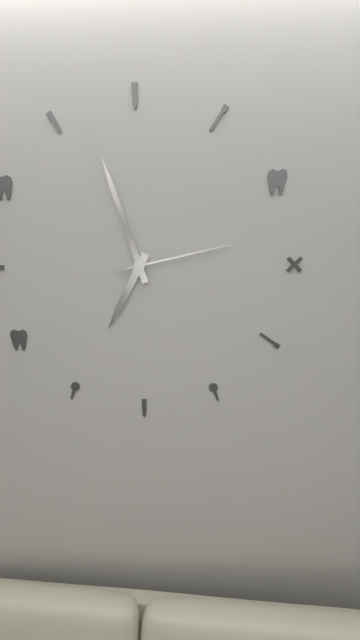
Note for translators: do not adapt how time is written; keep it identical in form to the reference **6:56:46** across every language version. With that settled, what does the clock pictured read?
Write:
**6:57:13**
